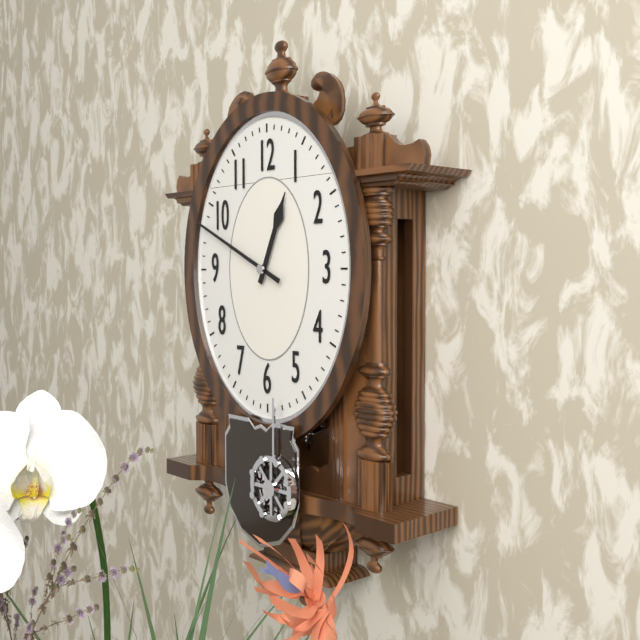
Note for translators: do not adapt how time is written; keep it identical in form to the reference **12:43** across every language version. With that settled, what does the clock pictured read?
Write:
**12:49**
